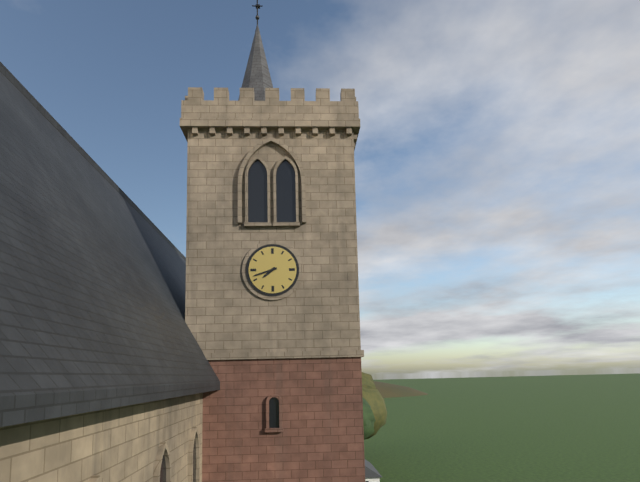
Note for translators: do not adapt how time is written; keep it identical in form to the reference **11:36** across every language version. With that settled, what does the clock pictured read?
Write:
**7:42**
